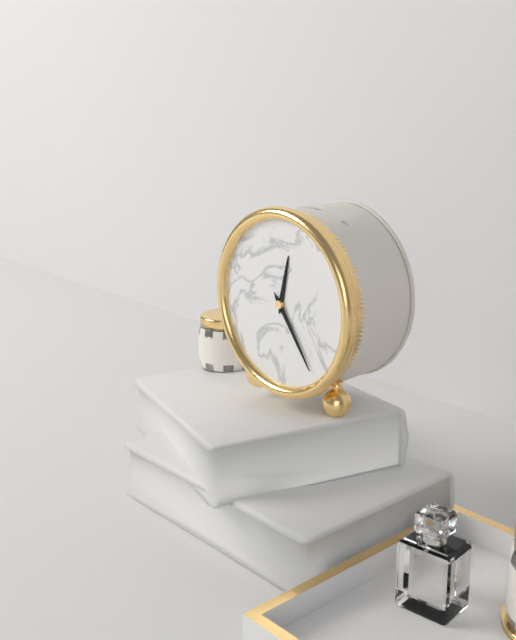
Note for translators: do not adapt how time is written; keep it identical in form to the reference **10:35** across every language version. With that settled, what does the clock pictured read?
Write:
**12:24**
